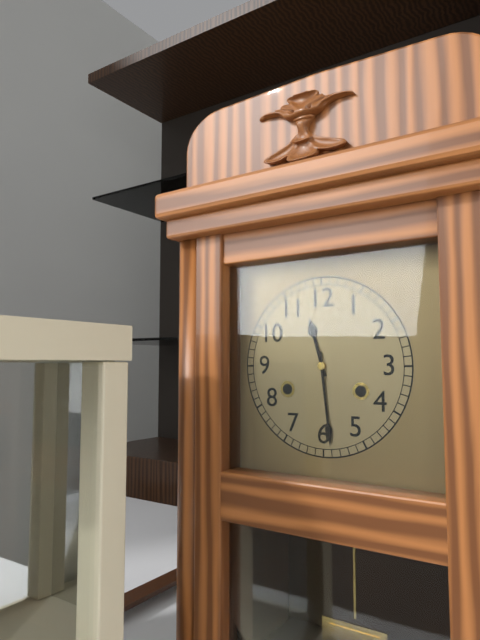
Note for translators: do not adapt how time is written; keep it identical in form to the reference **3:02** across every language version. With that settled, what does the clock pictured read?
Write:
**11:29**
